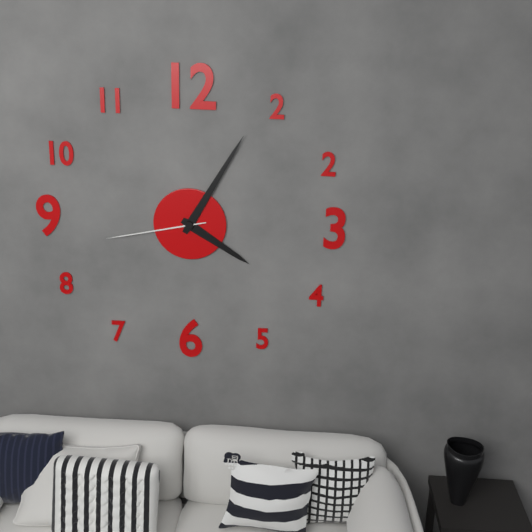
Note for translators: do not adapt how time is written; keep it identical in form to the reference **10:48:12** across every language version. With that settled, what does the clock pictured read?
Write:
**4:05:43**
